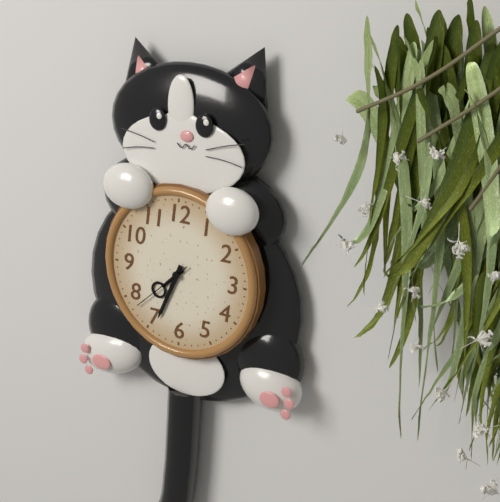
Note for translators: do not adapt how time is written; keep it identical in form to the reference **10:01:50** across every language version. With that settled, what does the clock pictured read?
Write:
**7:34:38**
